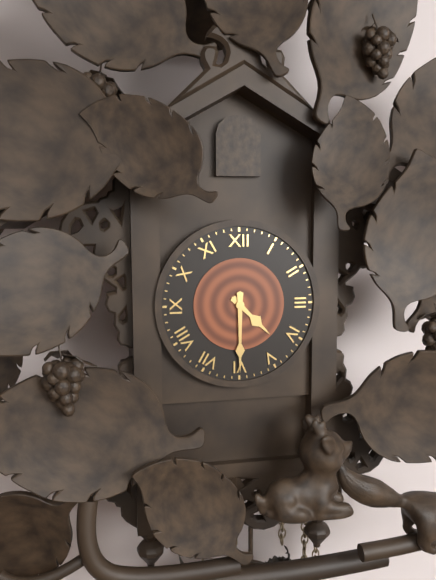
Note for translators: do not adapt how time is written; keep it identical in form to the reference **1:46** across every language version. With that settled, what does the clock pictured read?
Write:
**4:30**
